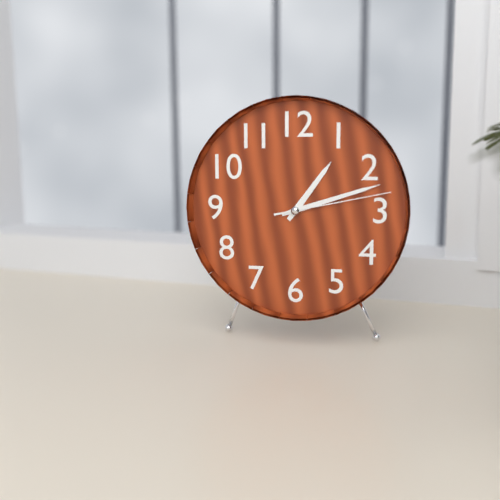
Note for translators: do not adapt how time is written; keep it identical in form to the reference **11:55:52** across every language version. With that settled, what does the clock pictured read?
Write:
**1:12:13**
